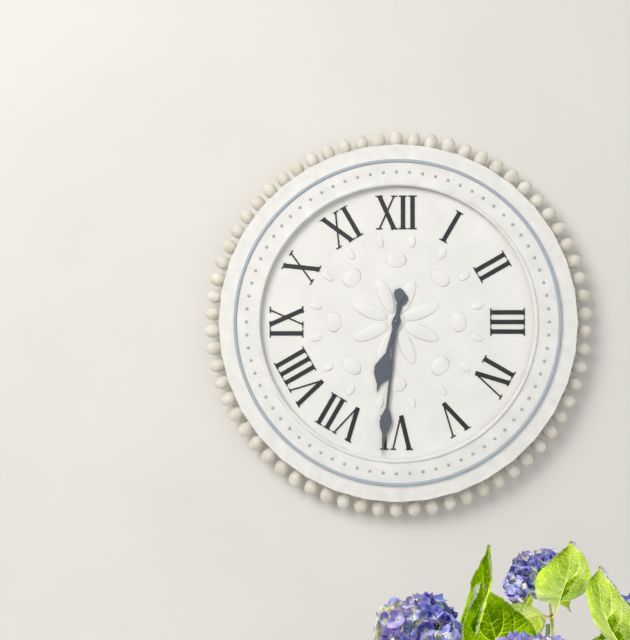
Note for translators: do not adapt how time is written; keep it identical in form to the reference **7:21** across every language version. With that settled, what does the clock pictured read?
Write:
**6:31**
